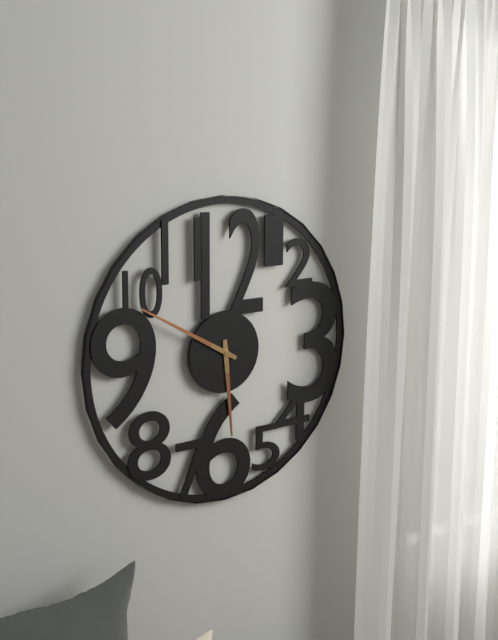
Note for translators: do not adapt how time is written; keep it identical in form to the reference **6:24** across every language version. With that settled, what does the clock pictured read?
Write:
**5:50**
